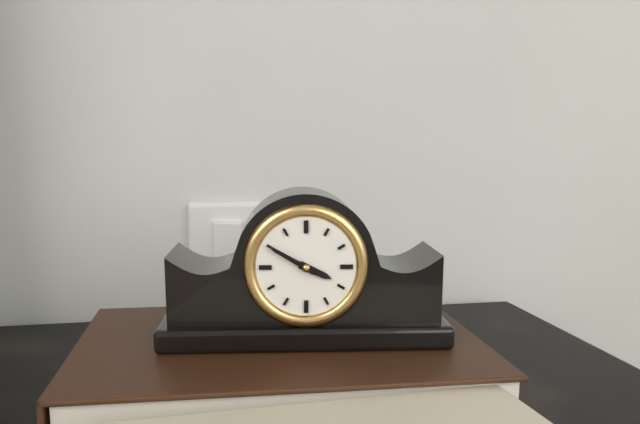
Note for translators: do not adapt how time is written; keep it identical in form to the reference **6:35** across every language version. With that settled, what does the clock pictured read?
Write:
**3:50**
